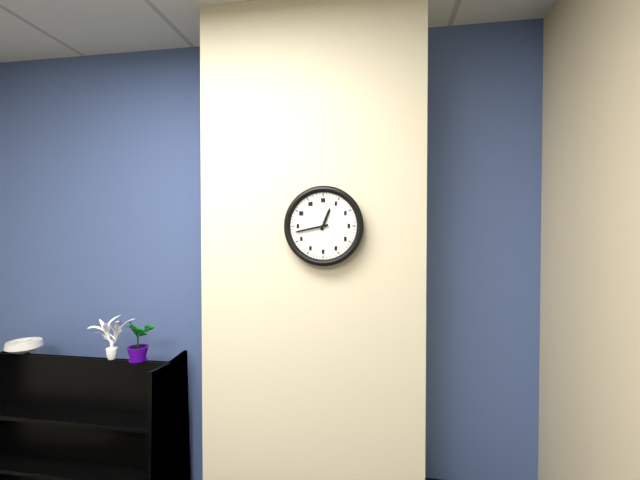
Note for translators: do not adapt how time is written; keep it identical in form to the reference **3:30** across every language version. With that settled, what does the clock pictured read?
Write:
**12:43**
